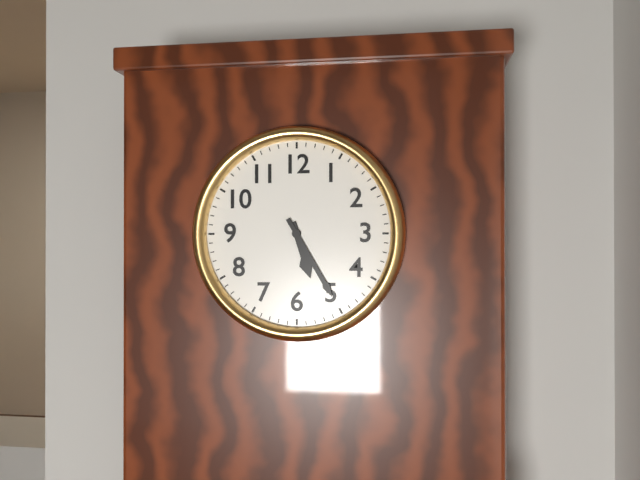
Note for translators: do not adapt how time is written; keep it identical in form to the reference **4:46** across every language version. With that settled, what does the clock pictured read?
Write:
**5:25**
